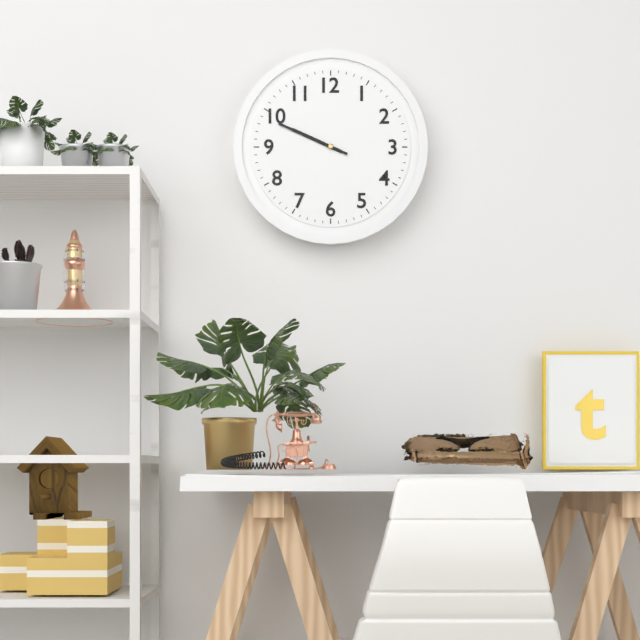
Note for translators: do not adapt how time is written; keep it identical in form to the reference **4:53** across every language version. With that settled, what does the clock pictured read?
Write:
**9:49**
